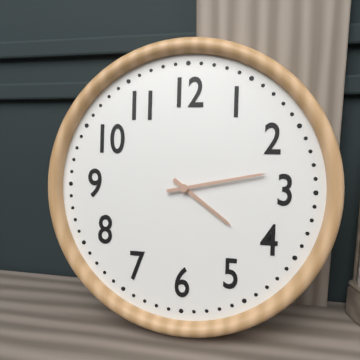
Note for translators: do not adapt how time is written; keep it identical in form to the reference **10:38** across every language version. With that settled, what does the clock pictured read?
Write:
**4:13**
